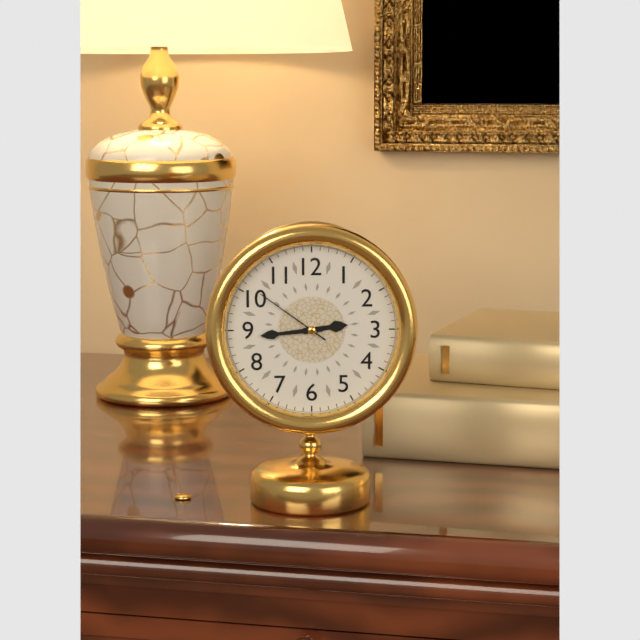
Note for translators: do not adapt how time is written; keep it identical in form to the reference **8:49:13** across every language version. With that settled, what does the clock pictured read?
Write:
**2:44:51**
